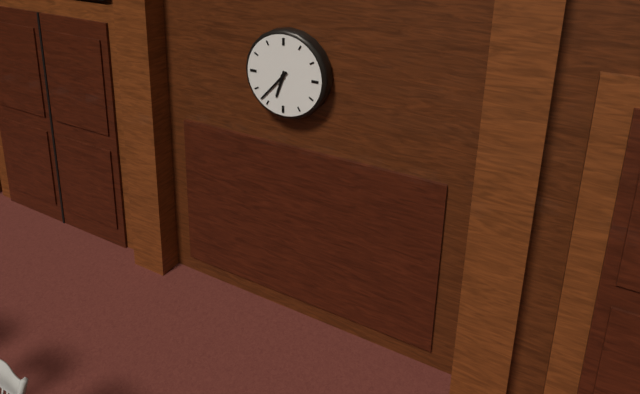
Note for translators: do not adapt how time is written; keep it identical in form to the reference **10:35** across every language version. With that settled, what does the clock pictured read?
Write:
**6:37**
